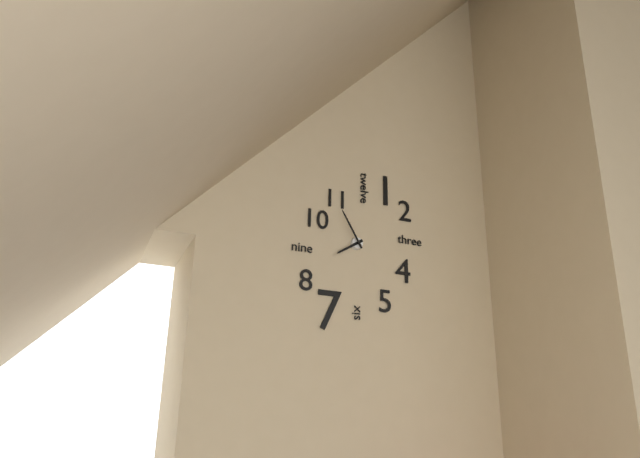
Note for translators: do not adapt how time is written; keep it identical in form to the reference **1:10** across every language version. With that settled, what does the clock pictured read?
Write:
**7:55**
